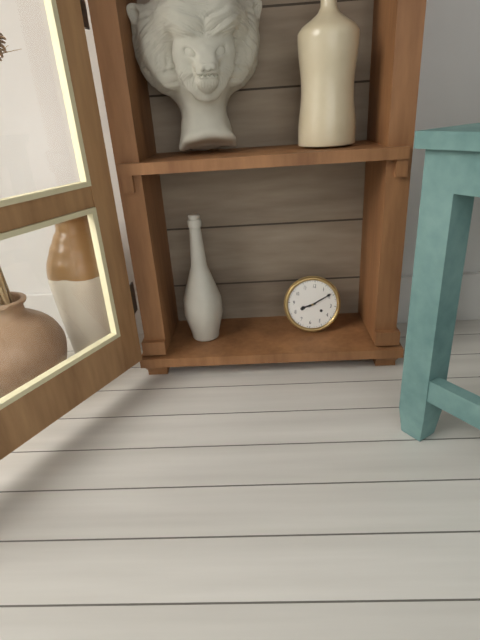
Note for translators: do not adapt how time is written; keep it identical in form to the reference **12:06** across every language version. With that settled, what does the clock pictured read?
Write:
**8:09**
